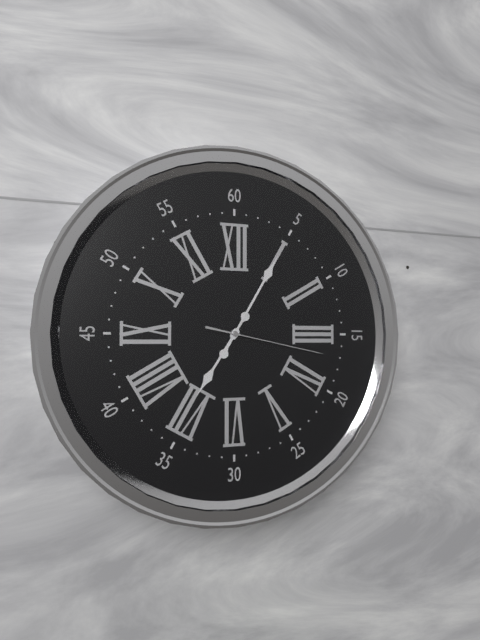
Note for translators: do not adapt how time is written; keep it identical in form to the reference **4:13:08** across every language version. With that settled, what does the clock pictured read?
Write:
**7:05:17**
